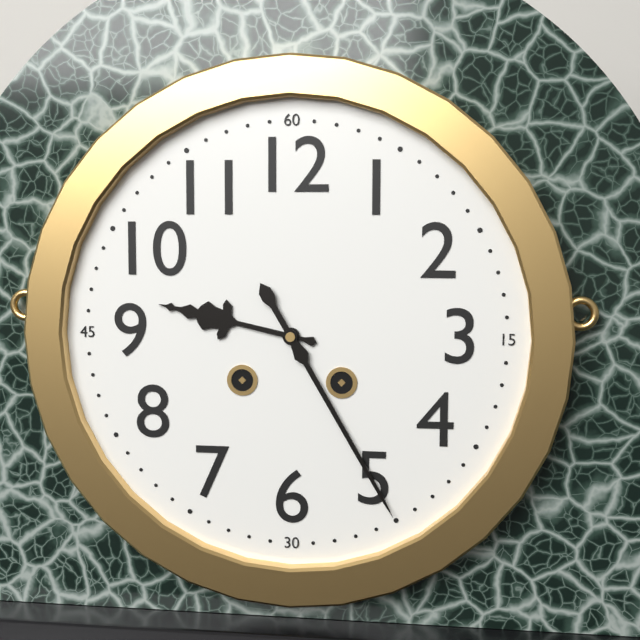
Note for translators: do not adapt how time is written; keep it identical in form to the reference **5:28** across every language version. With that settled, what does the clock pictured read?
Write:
**9:25**
